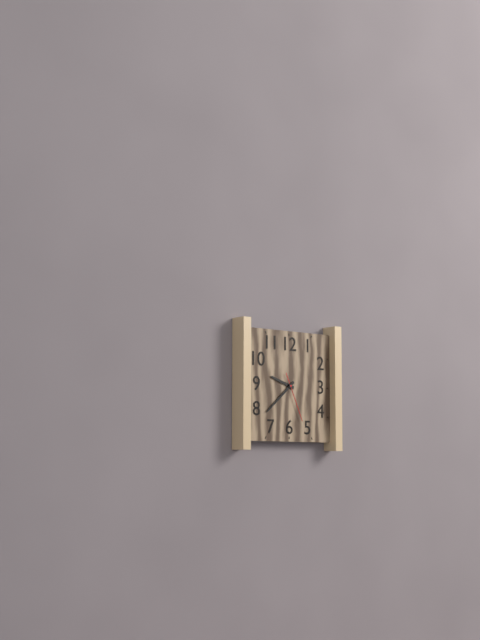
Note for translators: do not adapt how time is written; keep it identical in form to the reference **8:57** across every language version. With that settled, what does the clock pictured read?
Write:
**9:38**
